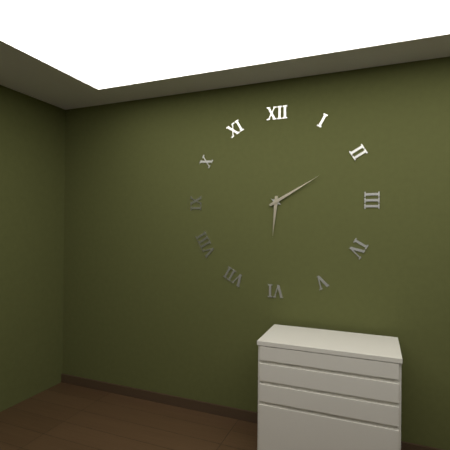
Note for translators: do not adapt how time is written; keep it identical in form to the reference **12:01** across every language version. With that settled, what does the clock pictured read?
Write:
**6:10**
